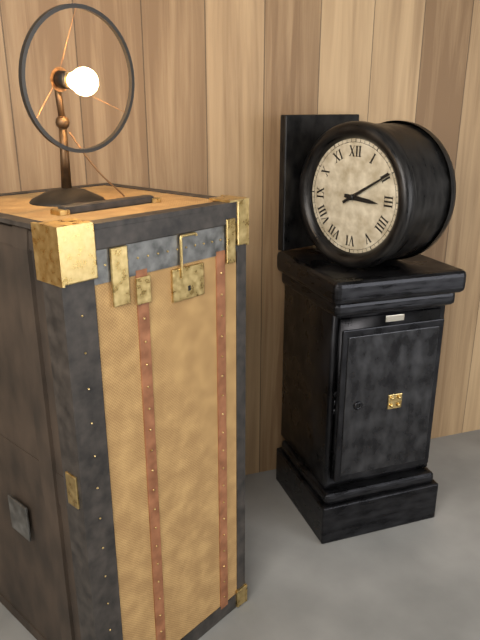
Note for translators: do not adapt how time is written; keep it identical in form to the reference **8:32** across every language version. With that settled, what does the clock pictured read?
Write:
**3:10**
